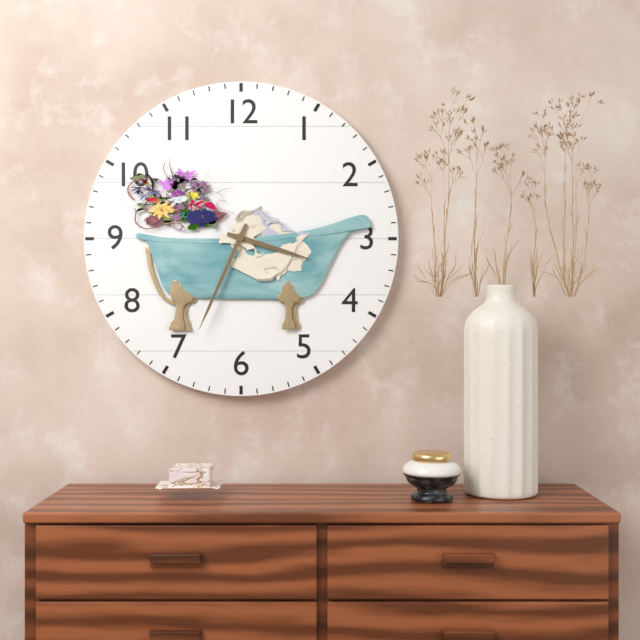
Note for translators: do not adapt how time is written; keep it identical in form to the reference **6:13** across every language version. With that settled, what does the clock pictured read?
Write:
**3:34**
